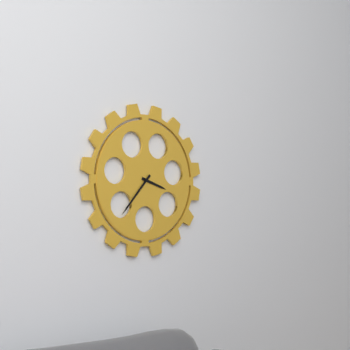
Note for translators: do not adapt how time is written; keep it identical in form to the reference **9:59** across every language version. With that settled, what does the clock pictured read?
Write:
**3:37**
